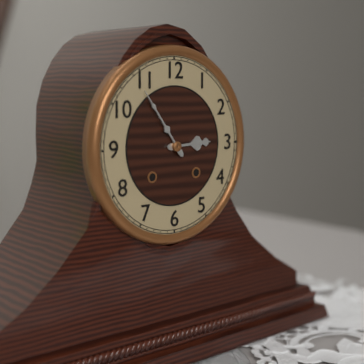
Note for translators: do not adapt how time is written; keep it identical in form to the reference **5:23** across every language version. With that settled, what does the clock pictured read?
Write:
**2:54**
